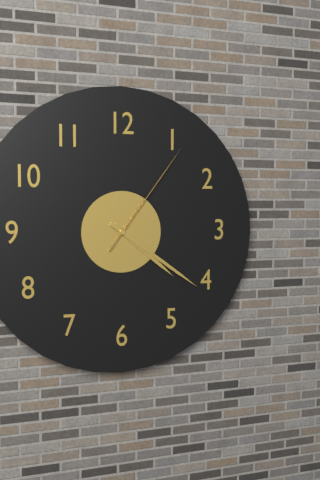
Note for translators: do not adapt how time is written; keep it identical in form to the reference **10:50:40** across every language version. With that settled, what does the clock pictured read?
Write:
**4:21:06**
